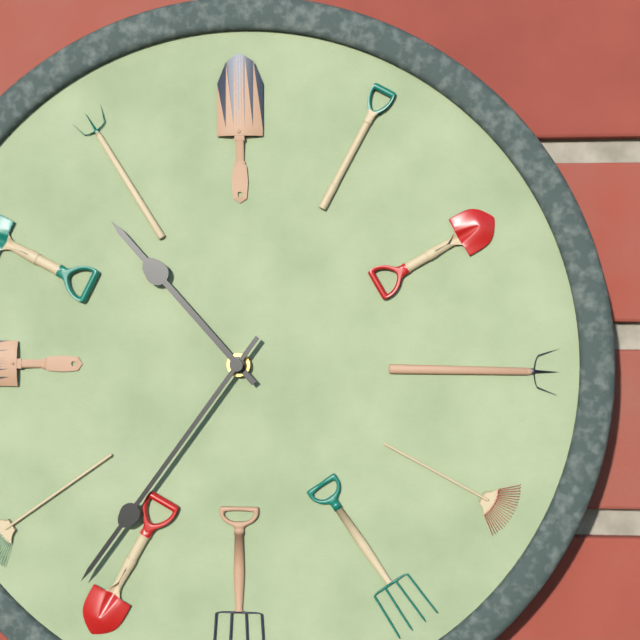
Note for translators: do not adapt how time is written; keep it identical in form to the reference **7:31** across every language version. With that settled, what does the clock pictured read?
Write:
**10:36**
